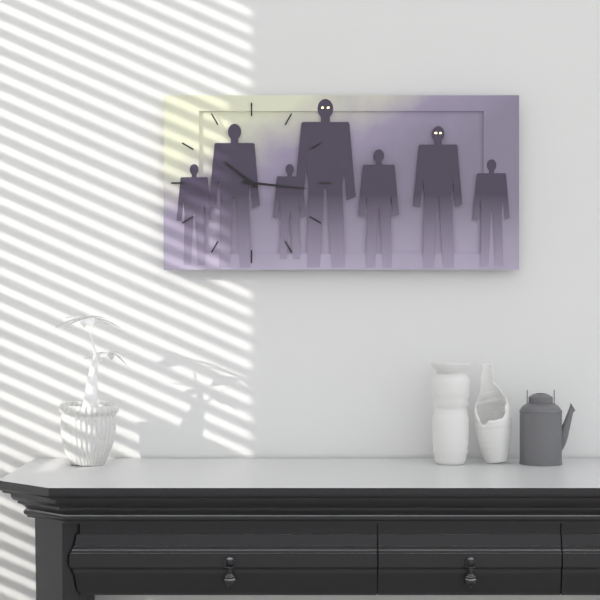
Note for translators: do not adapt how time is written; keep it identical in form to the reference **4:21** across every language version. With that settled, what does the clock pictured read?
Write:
**10:16**
